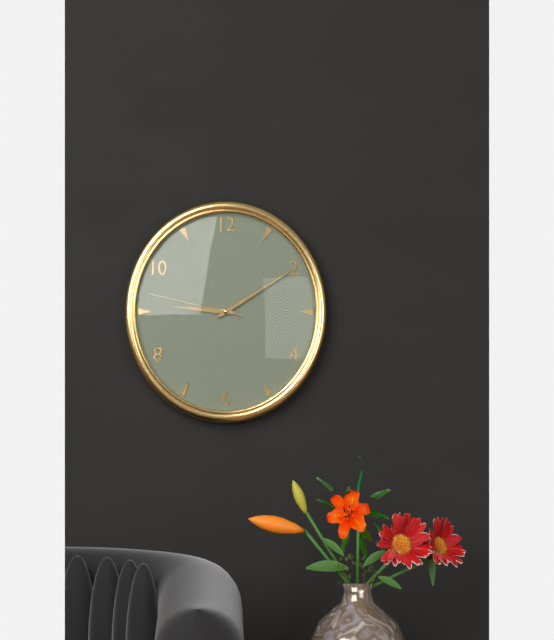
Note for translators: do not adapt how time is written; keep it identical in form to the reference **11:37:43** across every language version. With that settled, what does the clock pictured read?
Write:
**9:10:47**
